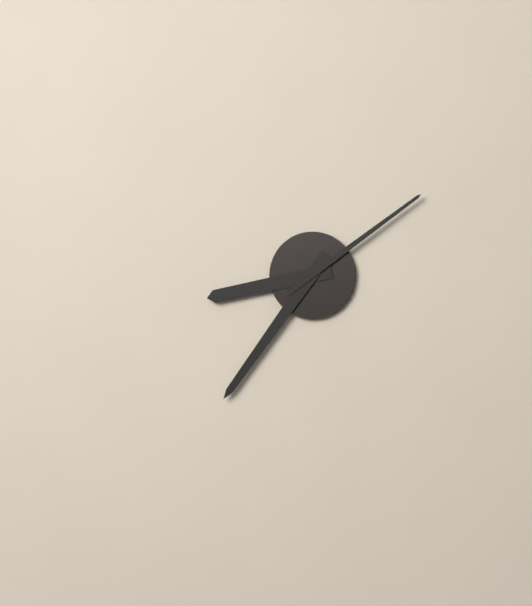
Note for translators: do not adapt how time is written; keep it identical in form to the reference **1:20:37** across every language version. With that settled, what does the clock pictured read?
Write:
**8:36:09**
